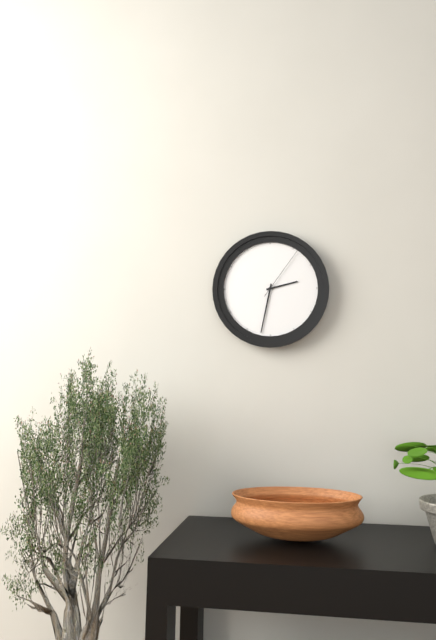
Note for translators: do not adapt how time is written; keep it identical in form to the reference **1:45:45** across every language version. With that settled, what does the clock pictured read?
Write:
**2:32:06**
